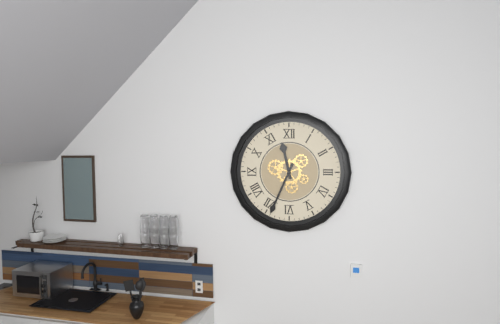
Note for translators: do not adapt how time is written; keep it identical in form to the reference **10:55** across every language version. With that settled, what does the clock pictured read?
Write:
**11:34**
